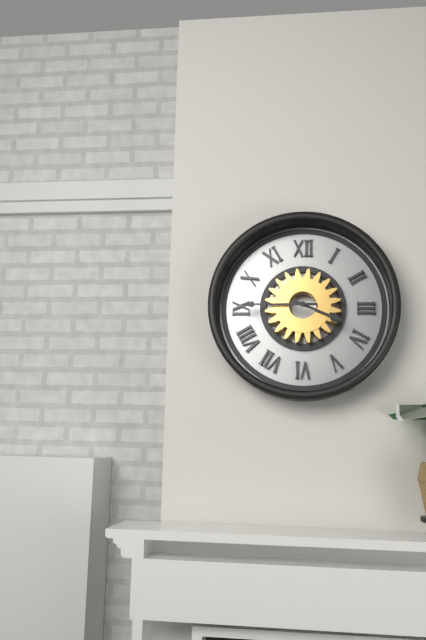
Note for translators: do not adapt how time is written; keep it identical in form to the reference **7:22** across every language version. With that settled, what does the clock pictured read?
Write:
**3:45**
